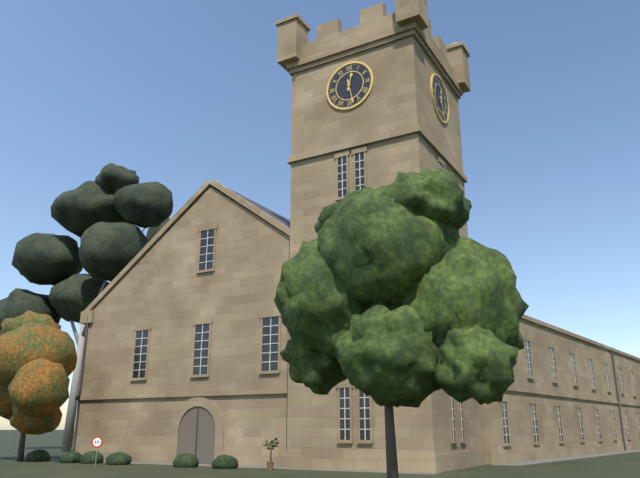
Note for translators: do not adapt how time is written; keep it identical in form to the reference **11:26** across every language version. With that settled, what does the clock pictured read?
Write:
**12:28**
